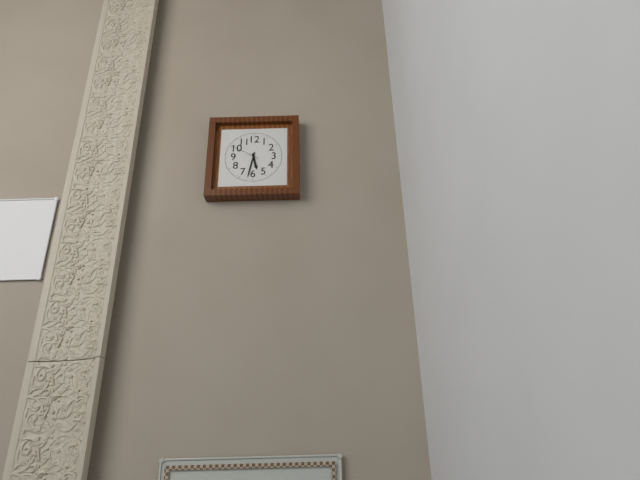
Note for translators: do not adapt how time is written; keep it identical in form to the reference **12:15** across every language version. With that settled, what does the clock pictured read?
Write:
**5:32**
